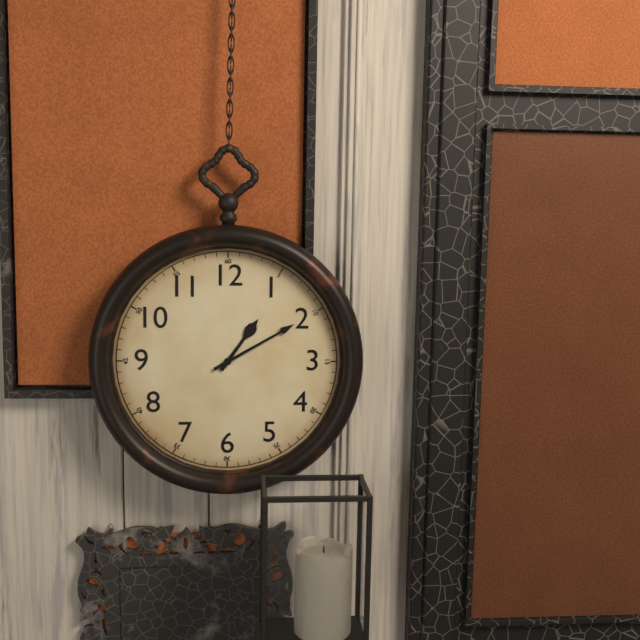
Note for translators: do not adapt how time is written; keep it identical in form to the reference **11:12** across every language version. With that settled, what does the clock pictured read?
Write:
**1:10**
